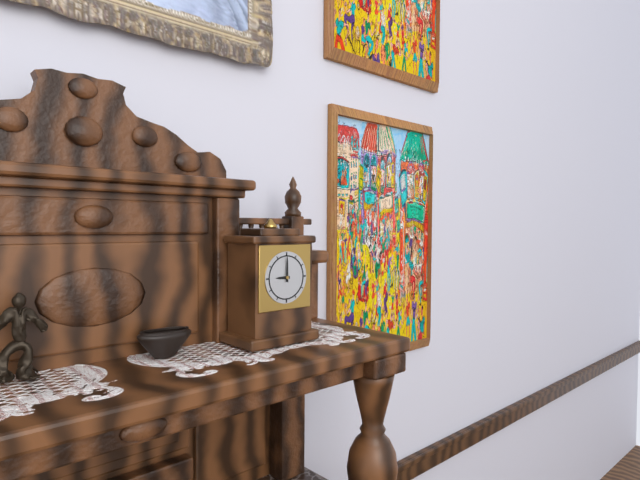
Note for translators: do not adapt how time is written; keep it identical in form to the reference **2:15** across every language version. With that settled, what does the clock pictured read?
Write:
**9:00**
